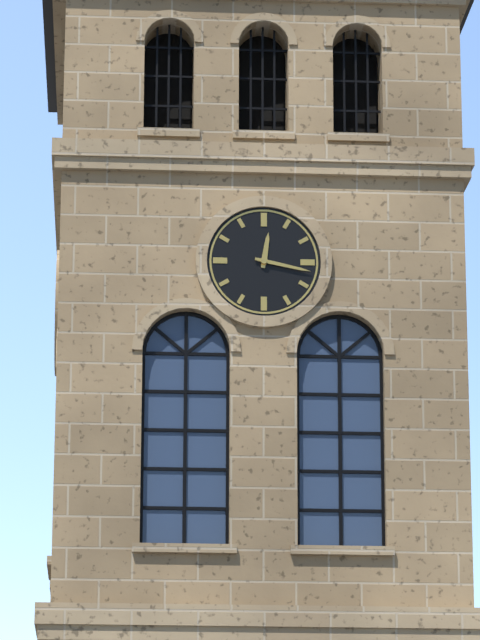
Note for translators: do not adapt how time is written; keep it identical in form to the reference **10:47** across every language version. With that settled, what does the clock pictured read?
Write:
**12:17**
